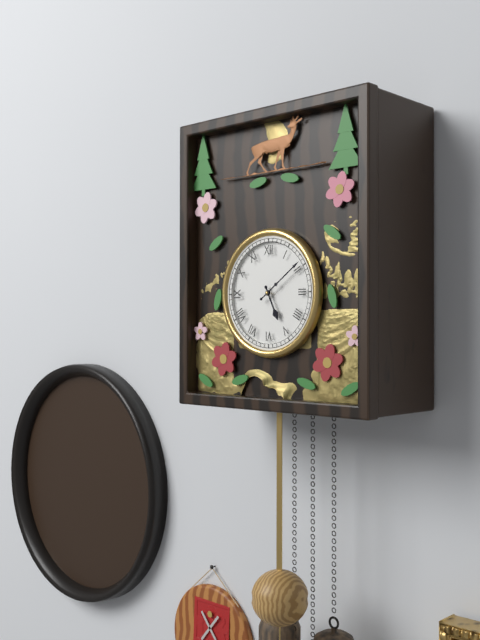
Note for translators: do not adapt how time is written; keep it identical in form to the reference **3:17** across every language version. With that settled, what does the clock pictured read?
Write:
**5:09**
